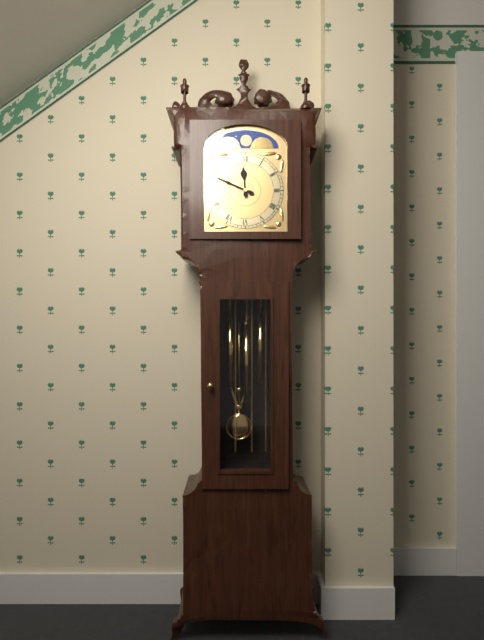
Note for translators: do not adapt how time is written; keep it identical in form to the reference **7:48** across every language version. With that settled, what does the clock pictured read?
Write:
**11:49**
